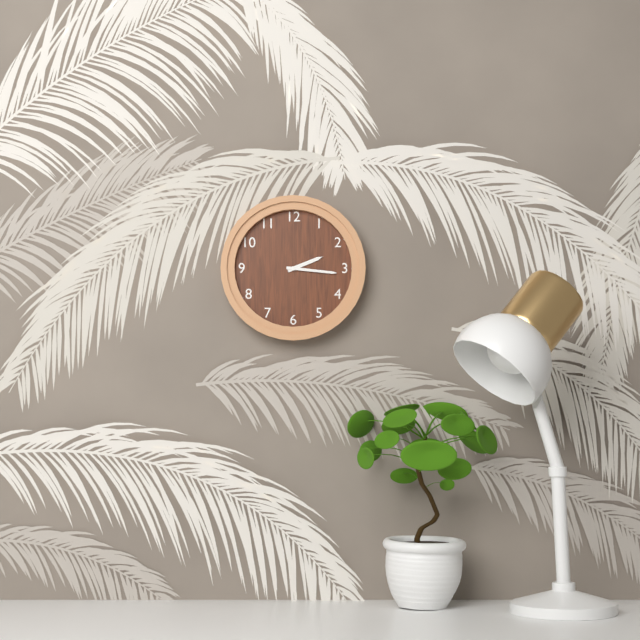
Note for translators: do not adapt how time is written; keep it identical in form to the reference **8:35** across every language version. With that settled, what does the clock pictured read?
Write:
**2:16**
